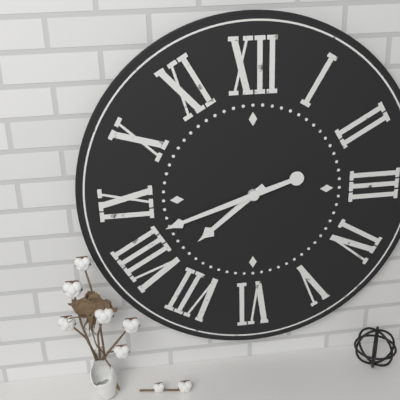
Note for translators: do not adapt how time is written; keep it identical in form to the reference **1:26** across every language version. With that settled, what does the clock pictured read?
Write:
**7:42**
